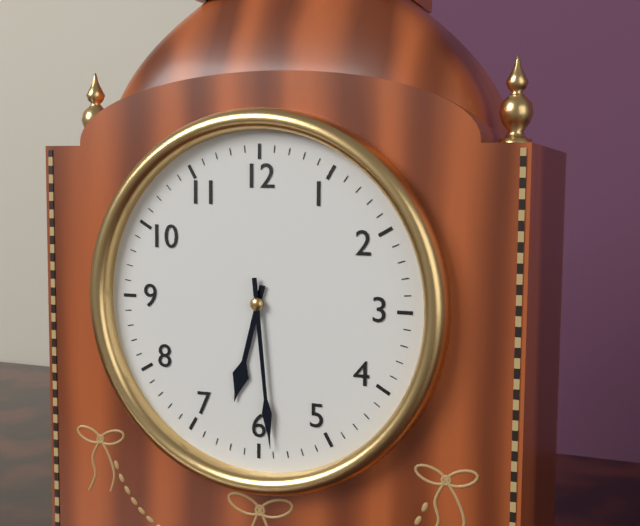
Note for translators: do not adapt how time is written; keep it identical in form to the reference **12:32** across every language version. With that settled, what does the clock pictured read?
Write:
**6:29**
